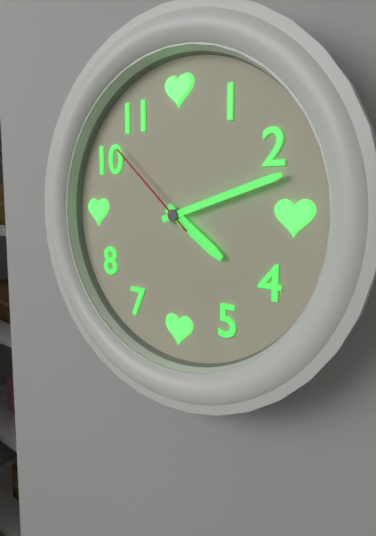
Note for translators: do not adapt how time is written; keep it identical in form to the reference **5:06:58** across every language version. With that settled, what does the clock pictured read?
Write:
**4:12:52**
